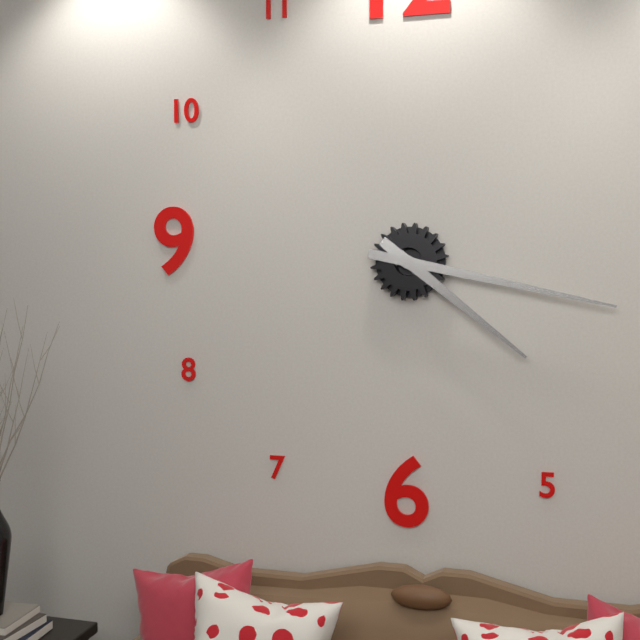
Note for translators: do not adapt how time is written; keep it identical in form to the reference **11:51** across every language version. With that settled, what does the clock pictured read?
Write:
**4:17**
